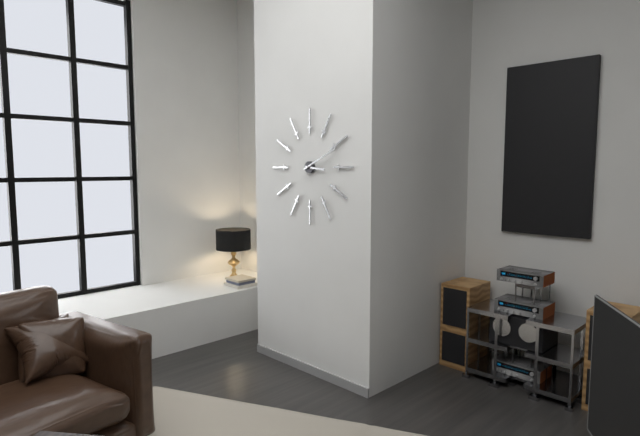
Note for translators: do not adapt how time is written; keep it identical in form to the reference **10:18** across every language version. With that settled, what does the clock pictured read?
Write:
**3:11**
